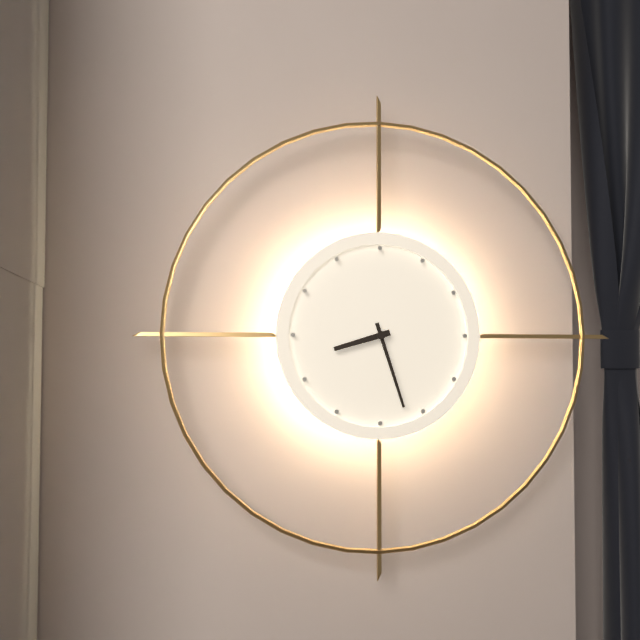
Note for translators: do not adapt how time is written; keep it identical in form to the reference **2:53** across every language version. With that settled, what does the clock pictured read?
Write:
**8:27**
